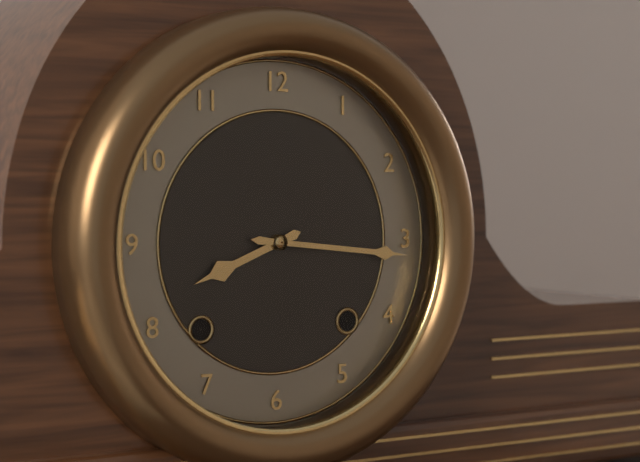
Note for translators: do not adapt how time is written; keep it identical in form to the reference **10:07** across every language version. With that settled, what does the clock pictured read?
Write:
**8:16**
